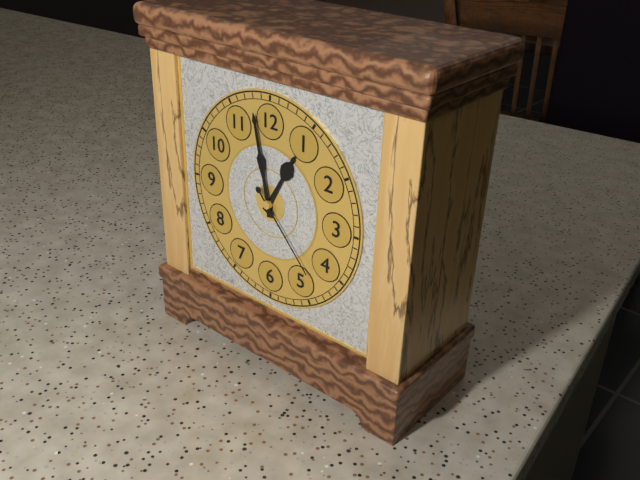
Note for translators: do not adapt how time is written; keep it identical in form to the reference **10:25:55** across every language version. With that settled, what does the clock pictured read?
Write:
**12:58:23**
